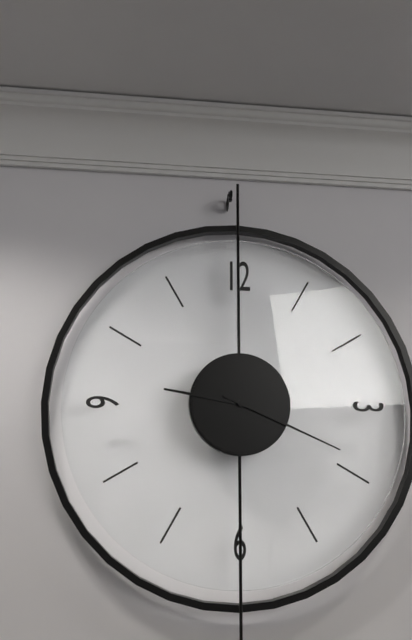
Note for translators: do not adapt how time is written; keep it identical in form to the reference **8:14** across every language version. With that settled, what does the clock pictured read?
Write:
**9:19**
